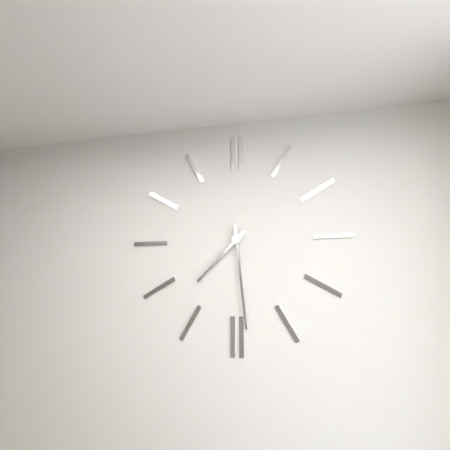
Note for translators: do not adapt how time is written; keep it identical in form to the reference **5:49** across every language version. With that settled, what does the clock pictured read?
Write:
**7:29**
